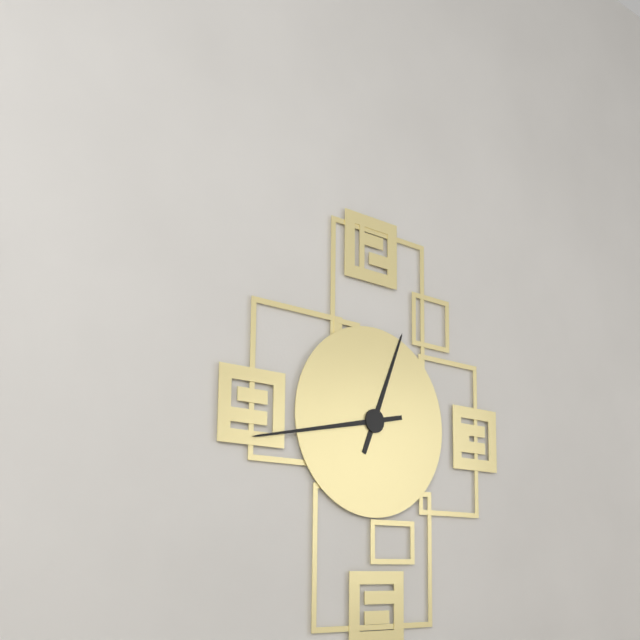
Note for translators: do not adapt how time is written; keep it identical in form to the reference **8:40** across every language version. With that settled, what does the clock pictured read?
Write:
**12:43**
